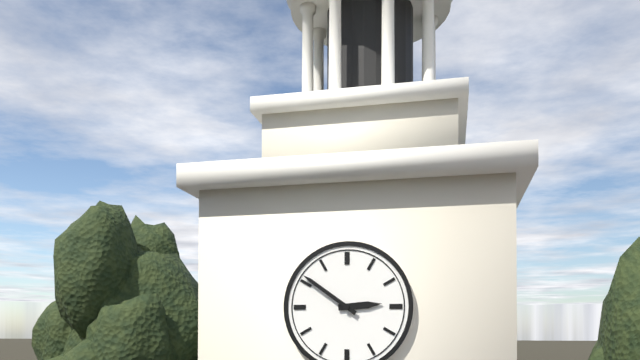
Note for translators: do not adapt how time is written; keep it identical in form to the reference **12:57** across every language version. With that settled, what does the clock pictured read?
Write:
**2:51**
